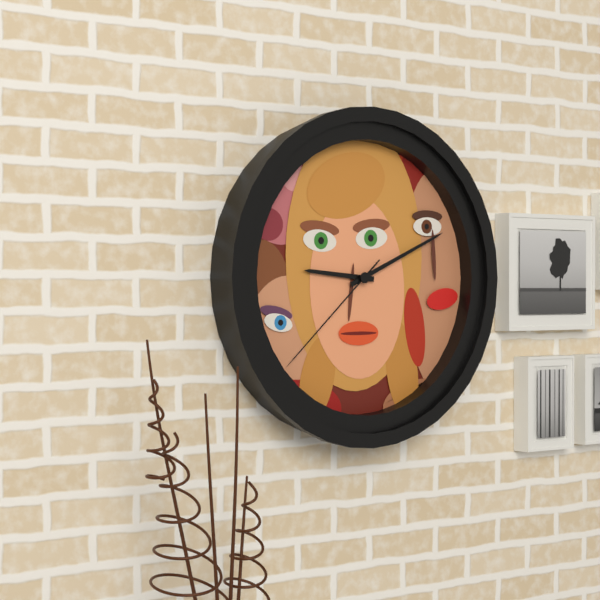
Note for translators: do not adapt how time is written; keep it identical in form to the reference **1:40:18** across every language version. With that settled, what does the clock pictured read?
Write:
**9:11:38**
